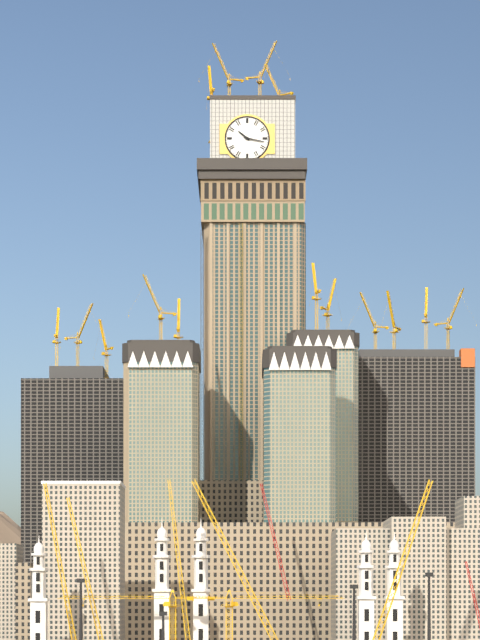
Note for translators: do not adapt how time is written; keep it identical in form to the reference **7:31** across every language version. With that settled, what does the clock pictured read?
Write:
**10:17**
